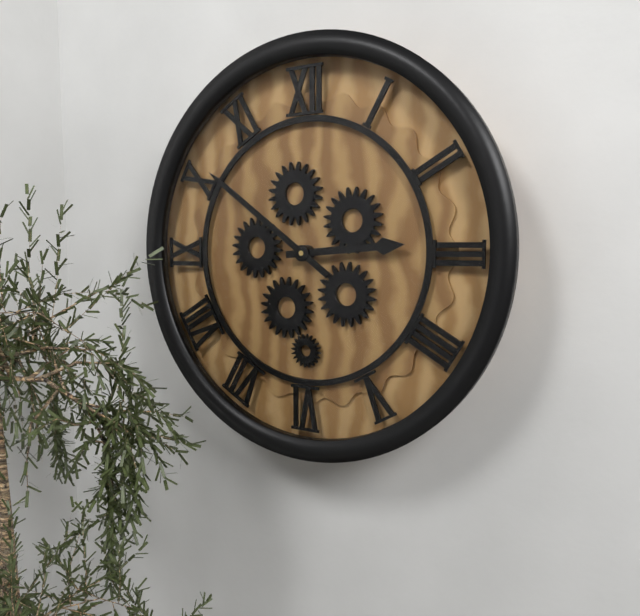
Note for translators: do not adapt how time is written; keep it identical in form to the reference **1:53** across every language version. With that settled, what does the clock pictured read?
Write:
**2:51**
